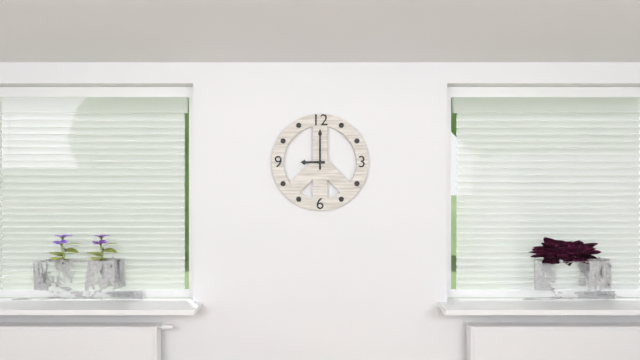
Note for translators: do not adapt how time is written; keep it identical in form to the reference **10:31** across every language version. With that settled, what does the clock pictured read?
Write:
**9:00**
